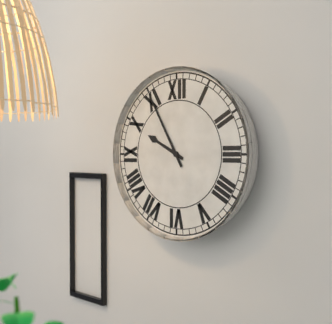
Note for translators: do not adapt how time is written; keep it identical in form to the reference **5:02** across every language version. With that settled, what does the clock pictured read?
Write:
**9:55**
